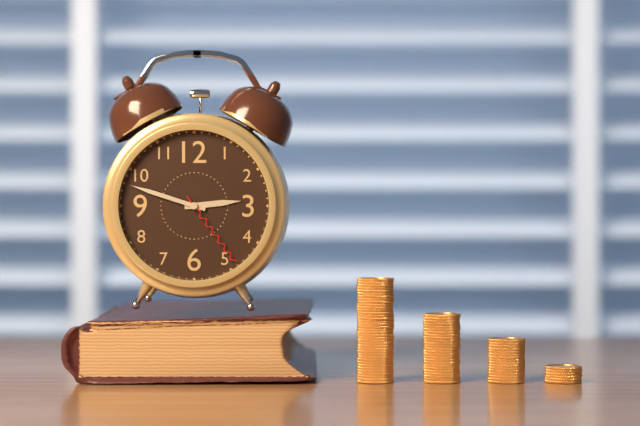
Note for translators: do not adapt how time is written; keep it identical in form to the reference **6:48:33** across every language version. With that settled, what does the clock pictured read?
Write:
**2:48:24**
